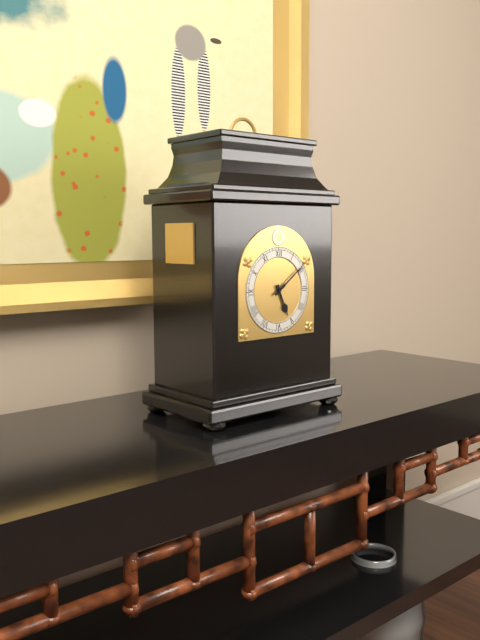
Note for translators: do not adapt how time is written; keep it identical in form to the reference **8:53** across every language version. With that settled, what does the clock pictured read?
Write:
**5:09**
